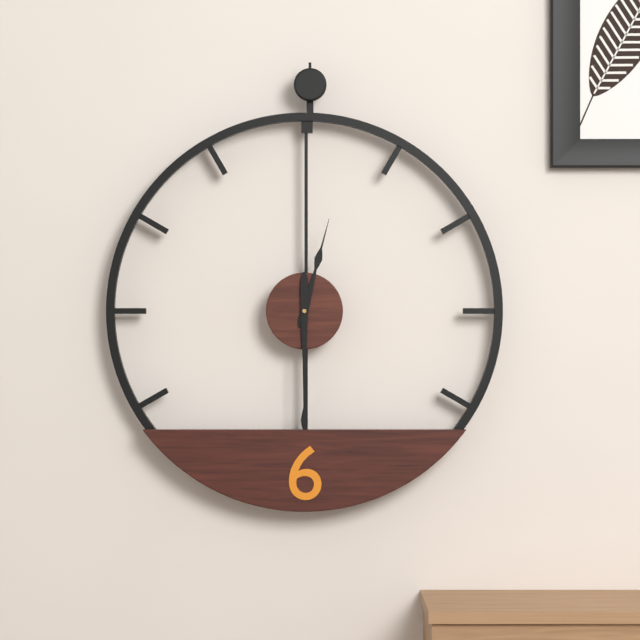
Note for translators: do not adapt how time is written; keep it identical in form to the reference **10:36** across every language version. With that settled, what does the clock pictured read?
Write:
**12:30**
